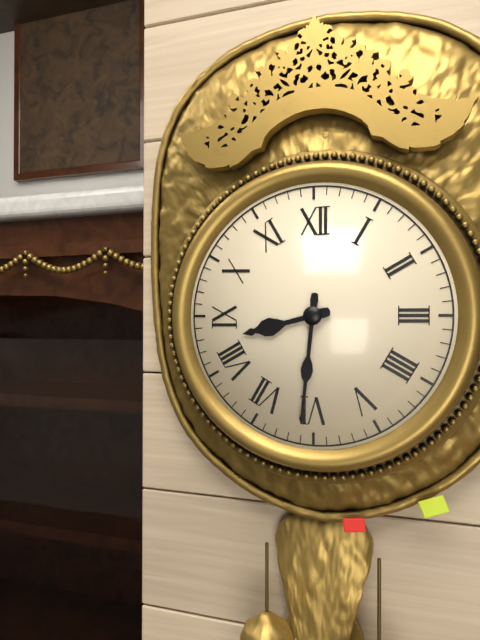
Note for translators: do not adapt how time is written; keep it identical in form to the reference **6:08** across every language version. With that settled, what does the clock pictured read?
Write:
**8:31**
